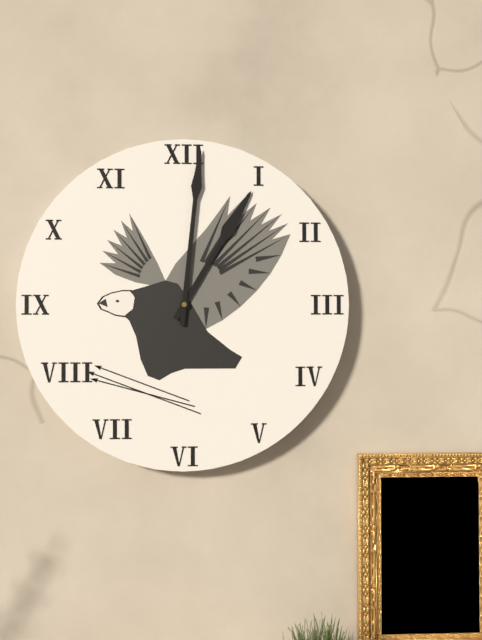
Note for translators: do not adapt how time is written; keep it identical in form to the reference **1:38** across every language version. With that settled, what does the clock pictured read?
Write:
**1:01**
